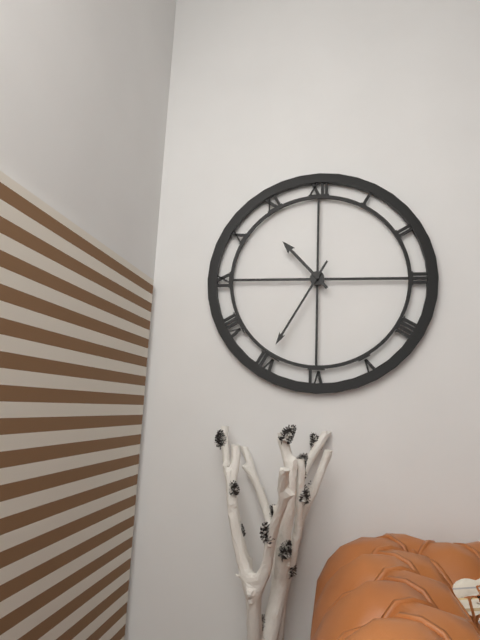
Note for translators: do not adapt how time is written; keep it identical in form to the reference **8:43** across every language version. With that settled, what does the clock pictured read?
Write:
**10:35**
